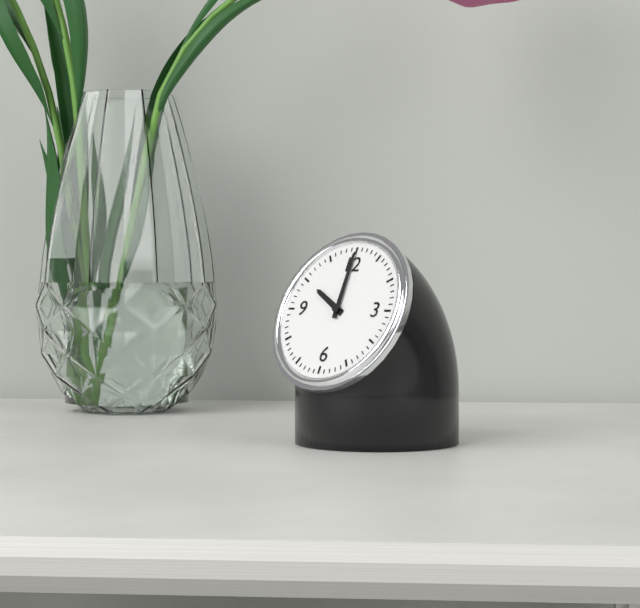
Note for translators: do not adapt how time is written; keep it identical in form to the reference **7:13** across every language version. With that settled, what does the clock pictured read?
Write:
**10:00**
